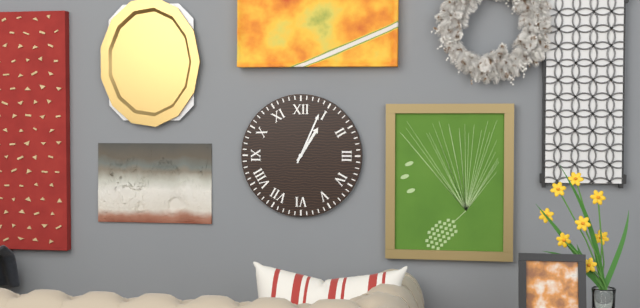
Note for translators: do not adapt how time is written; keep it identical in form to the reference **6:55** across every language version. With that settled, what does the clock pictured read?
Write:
**1:04**
